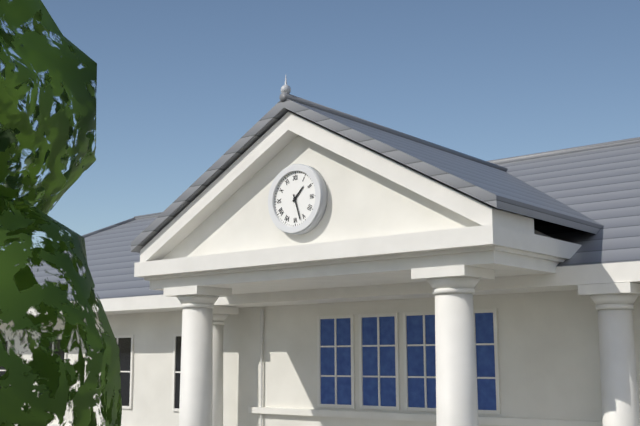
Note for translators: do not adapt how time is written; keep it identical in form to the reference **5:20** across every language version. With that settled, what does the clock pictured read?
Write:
**1:27**
